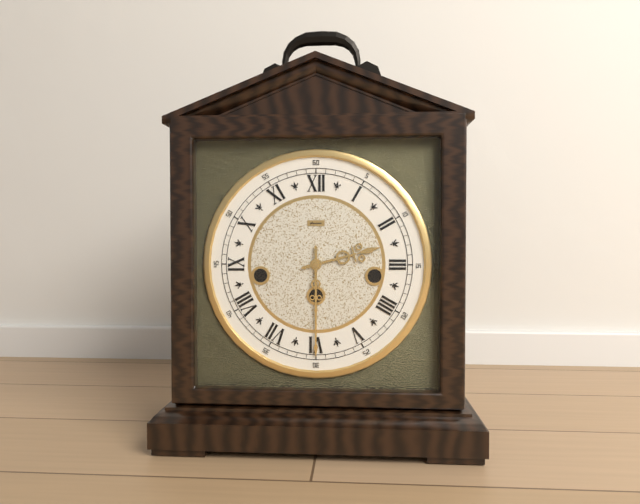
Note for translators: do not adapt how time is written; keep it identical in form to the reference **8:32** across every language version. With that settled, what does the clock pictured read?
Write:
**2:30**
